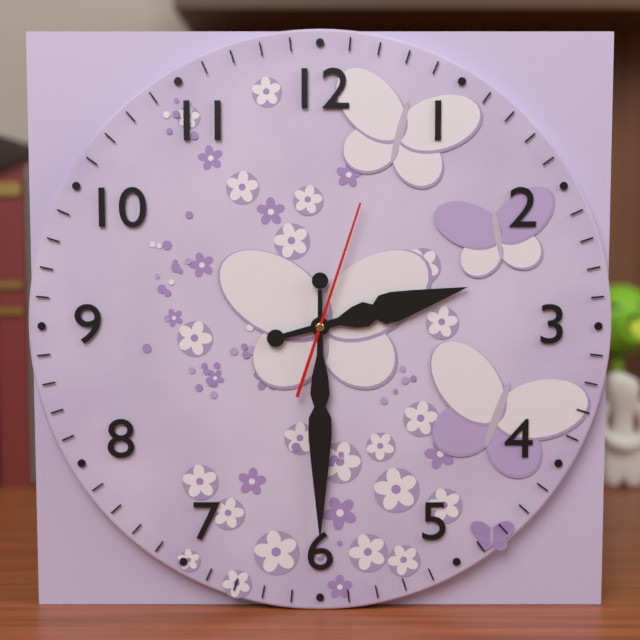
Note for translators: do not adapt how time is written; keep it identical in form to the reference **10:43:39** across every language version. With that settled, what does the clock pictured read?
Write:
**2:30:03**
